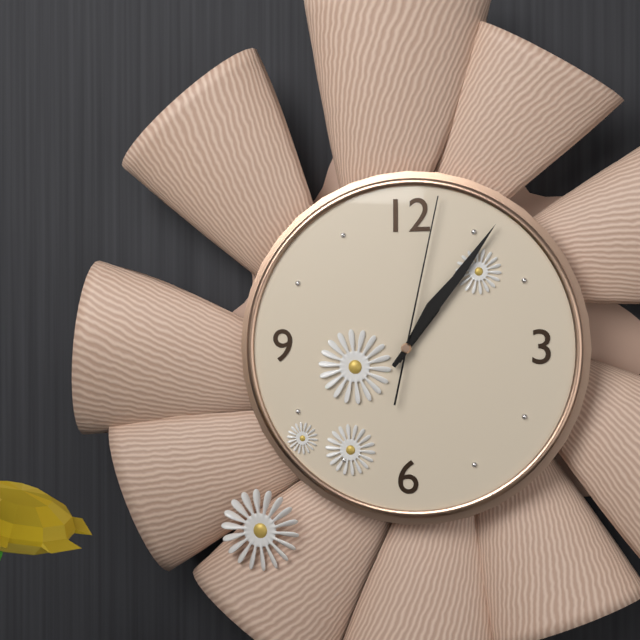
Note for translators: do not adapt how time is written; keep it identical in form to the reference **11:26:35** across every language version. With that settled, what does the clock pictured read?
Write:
**1:06:02**
